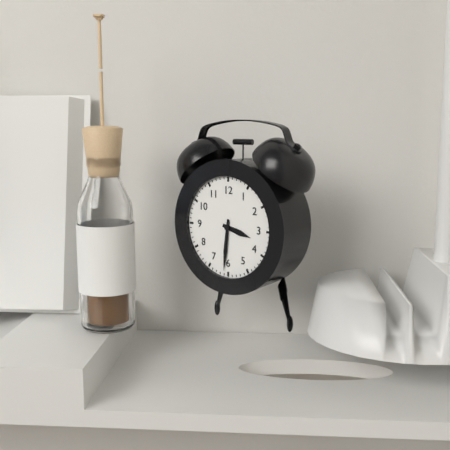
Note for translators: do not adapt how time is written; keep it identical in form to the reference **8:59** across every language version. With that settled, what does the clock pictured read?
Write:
**3:31**
